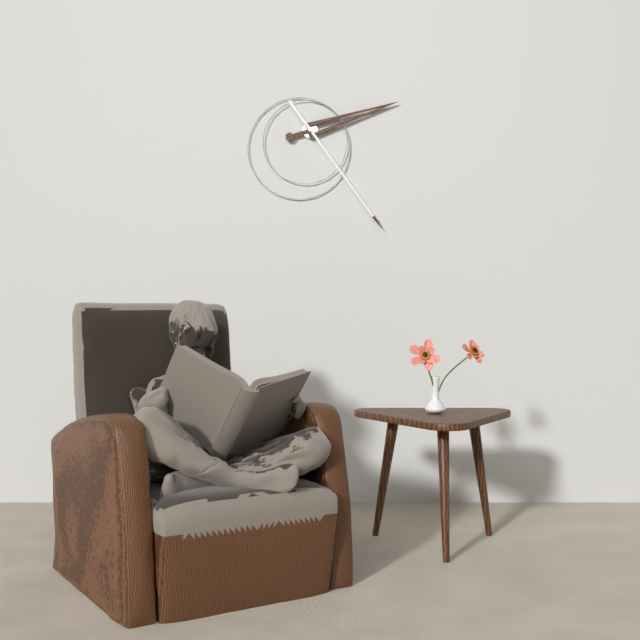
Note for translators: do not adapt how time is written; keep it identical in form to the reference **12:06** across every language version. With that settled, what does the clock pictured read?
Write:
**2:24**
